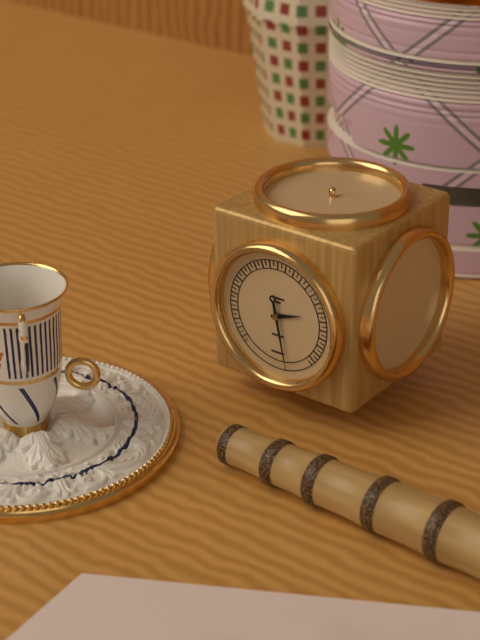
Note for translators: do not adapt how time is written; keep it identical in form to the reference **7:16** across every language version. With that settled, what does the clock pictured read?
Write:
**2:28**
